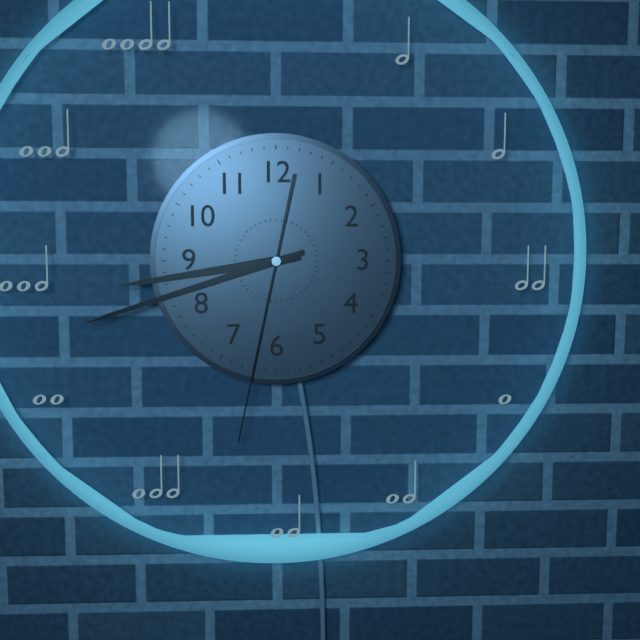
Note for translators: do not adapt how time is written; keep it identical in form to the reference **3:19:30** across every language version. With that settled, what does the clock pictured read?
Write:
**8:42:32**
